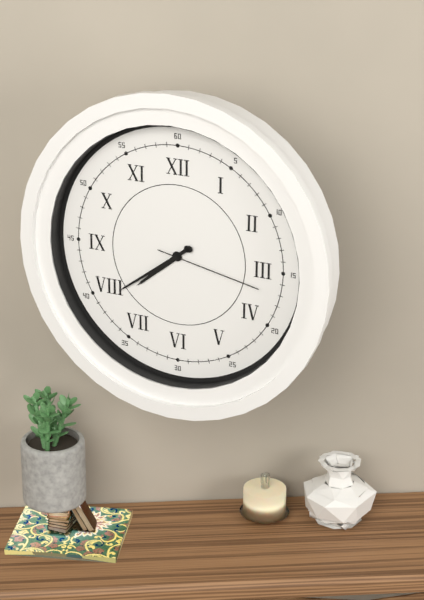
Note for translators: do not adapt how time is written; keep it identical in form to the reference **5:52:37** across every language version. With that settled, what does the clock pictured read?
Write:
**7:39:17**
